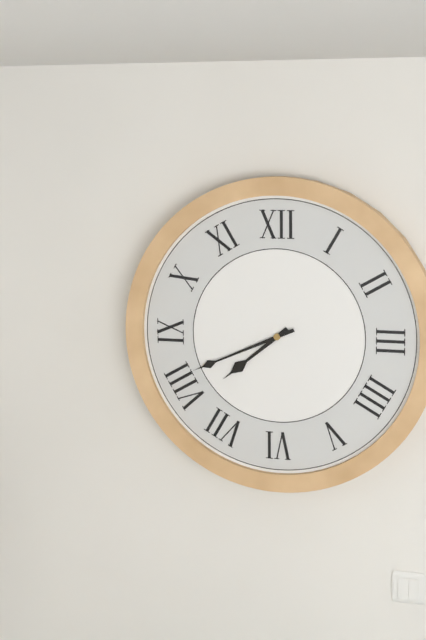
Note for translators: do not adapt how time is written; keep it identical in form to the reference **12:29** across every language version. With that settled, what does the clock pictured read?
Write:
**7:41**
